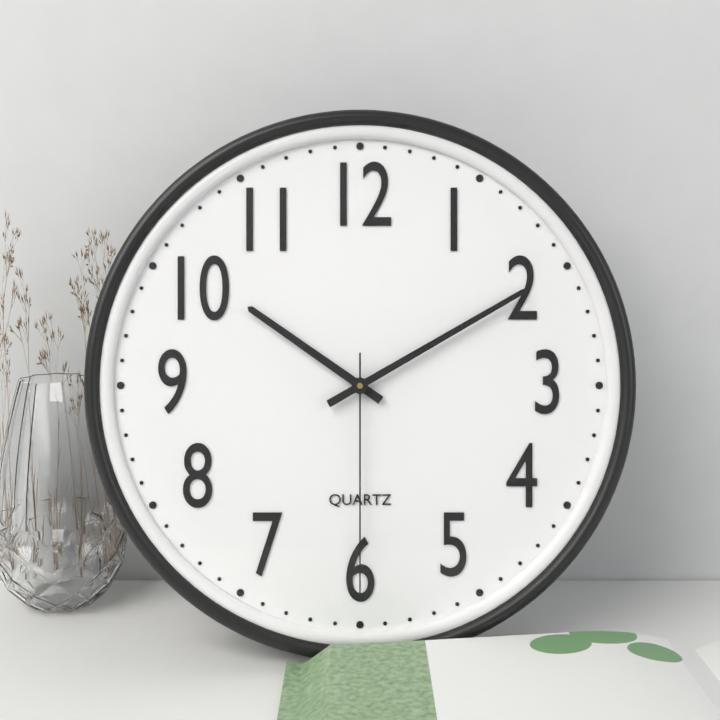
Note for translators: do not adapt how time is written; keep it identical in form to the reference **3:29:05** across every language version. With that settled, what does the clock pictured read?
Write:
**10:10:30**
